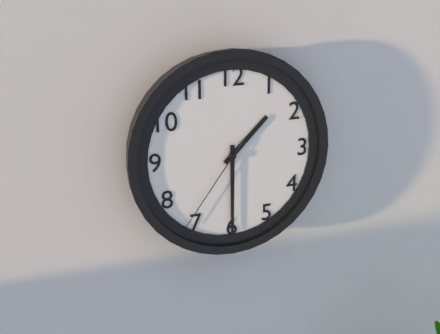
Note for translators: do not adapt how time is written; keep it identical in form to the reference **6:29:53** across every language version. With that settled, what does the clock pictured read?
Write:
**1:30:36**
